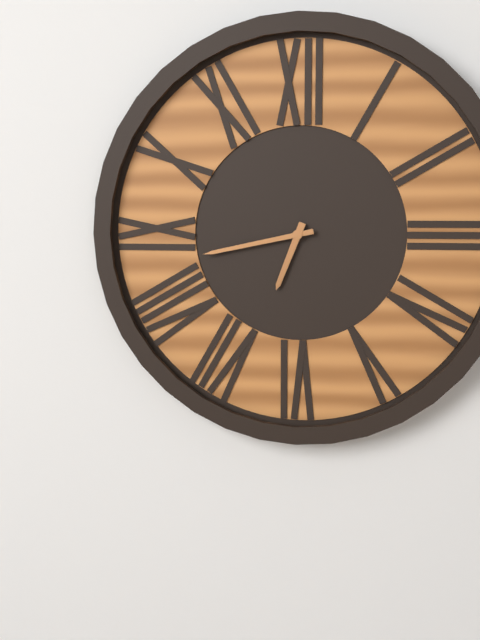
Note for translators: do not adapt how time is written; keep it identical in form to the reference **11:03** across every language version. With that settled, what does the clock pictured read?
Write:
**6:43**
